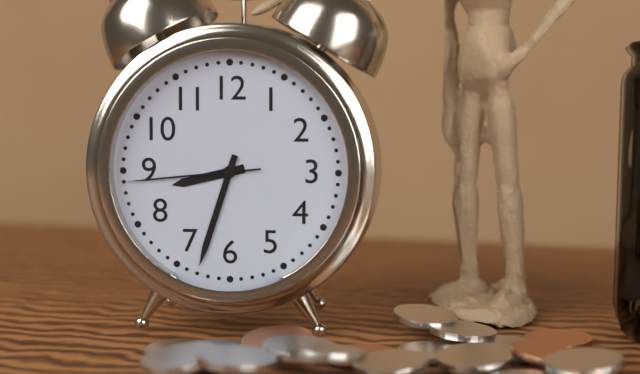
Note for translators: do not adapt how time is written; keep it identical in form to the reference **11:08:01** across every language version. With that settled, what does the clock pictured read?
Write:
**8:33:44**
